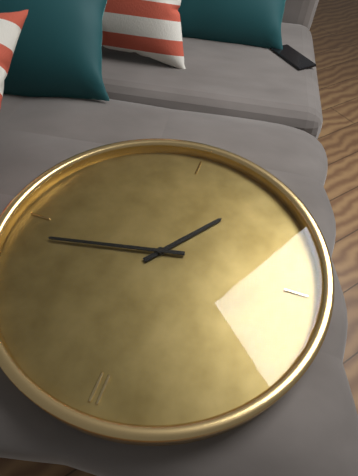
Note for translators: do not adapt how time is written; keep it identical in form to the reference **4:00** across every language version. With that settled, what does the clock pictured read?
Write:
**7:13**
